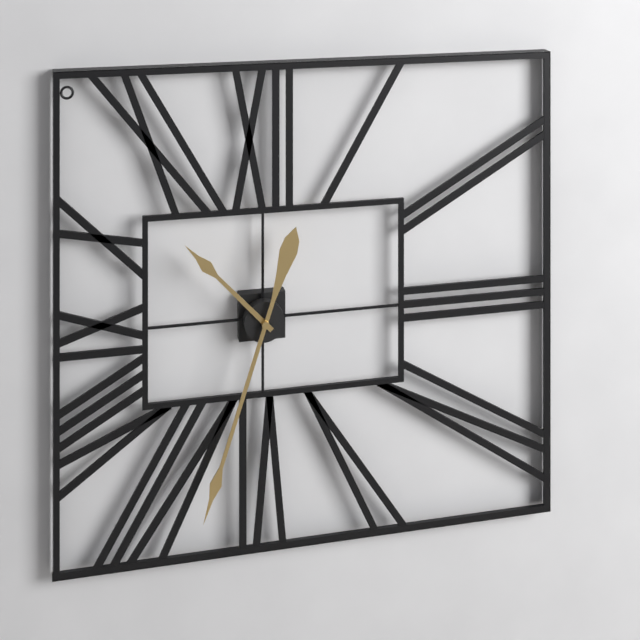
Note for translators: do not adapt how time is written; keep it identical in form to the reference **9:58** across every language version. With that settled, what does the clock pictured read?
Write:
**10:33**
